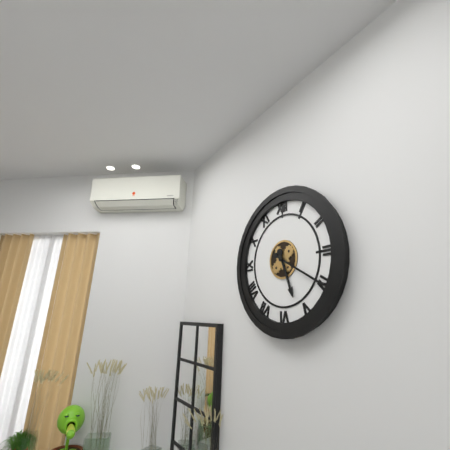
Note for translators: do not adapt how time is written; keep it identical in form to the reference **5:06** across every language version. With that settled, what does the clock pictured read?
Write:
**5:20**
